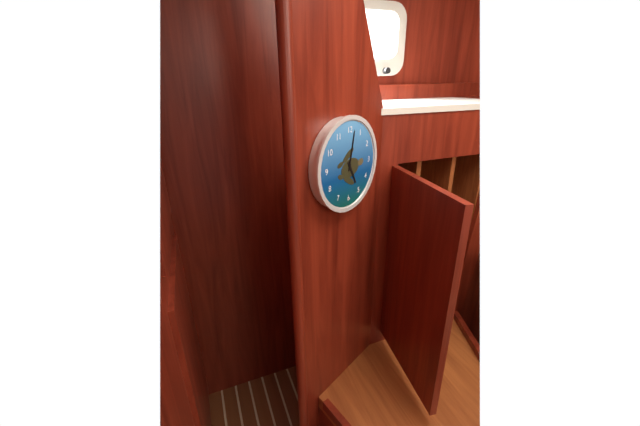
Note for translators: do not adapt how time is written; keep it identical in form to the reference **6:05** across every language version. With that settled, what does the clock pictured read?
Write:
**5:02**
